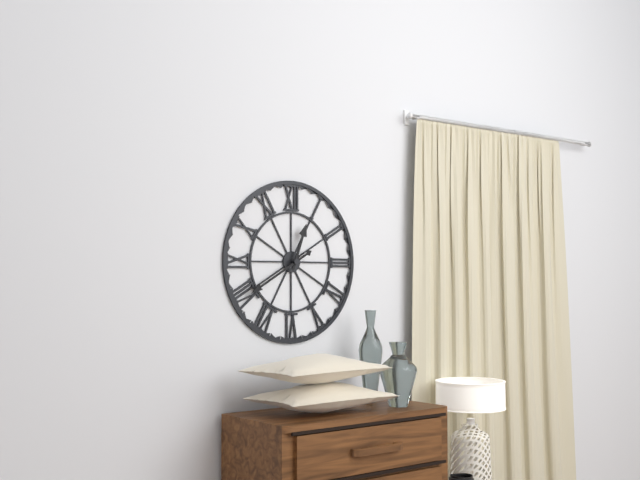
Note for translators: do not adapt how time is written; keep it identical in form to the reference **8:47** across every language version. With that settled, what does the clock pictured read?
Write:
**12:40**
